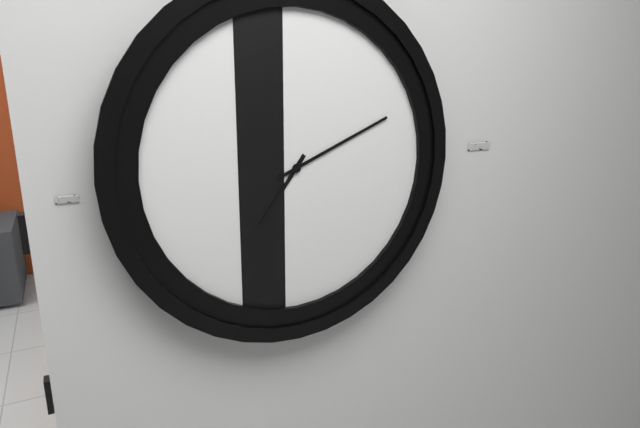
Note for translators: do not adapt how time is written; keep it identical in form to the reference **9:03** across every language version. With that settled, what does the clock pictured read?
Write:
**7:11**
